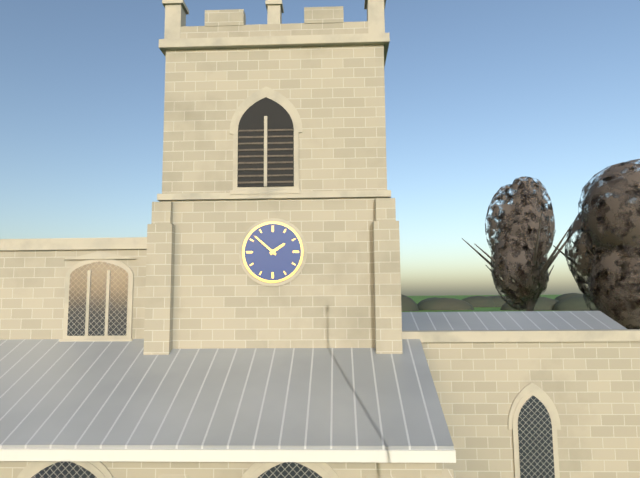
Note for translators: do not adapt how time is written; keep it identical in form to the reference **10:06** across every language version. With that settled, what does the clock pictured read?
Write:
**1:52**
